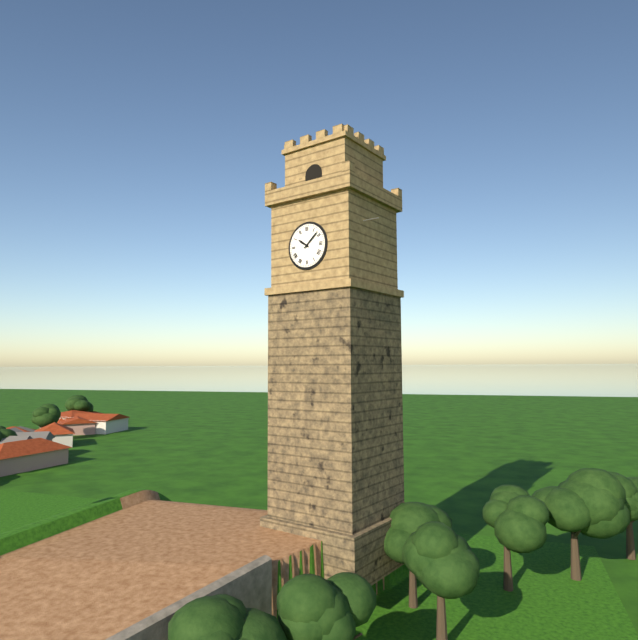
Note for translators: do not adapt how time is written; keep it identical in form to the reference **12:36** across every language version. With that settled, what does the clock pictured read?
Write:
**10:08**
